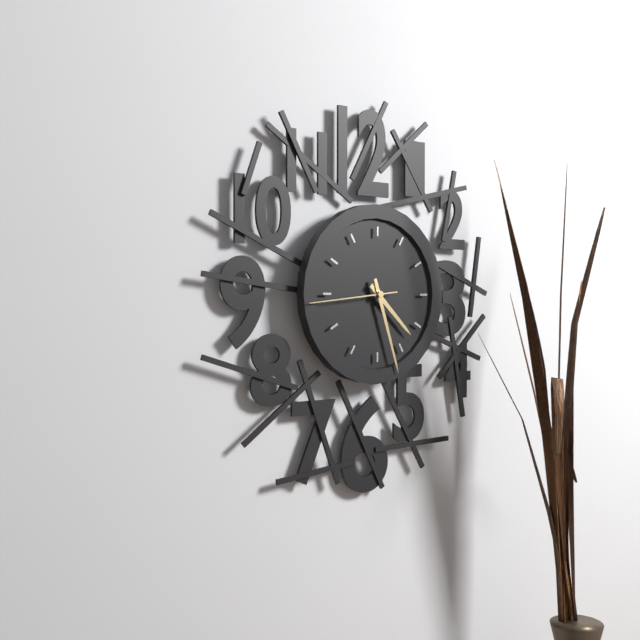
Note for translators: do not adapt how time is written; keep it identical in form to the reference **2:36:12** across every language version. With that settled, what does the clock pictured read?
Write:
**4:27:44**
